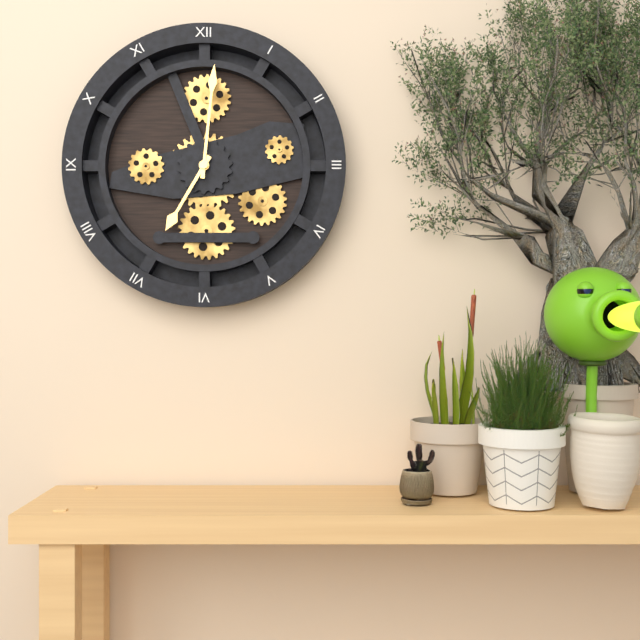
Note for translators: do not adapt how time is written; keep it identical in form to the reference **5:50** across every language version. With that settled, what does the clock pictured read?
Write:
**7:01**
